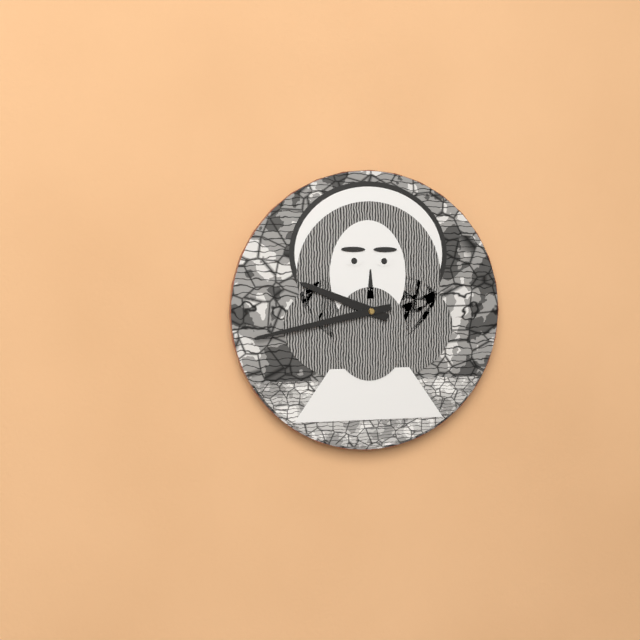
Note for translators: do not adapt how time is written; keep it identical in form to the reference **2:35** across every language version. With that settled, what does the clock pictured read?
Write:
**9:43**
